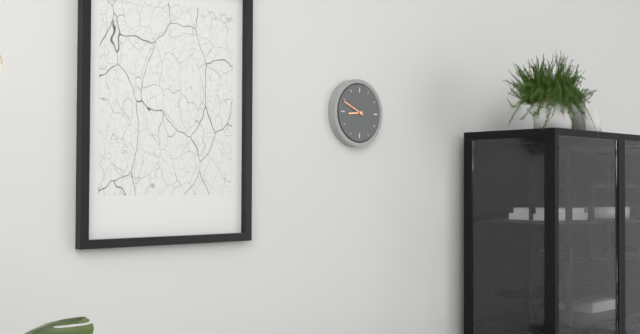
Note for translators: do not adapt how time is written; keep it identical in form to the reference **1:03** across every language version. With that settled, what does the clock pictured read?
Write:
**8:49**
